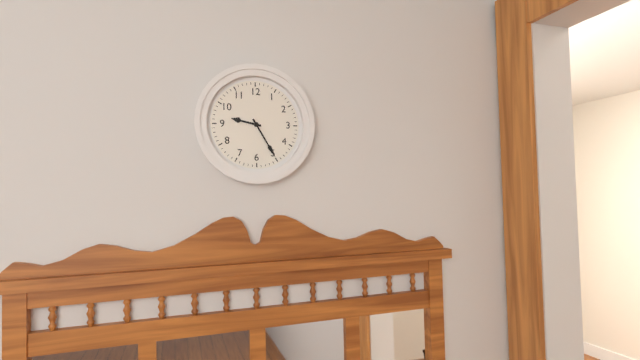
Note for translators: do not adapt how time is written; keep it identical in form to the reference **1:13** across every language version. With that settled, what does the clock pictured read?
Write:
**9:25**
